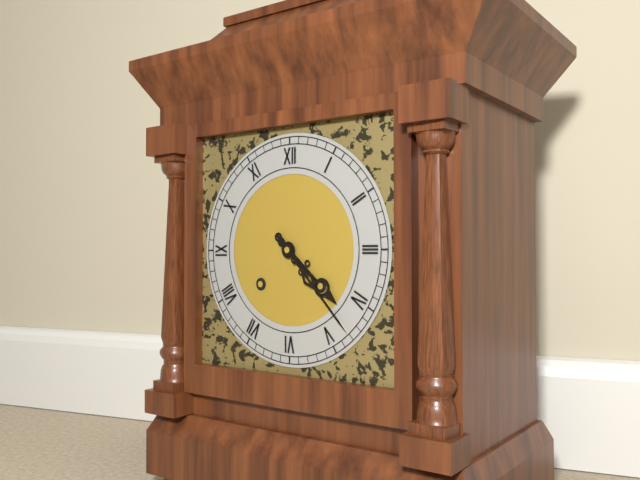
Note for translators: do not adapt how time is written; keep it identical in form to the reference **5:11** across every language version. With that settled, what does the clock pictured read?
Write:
**4:23**
